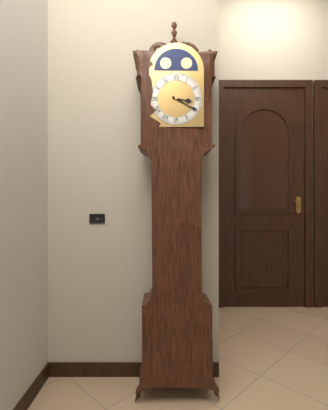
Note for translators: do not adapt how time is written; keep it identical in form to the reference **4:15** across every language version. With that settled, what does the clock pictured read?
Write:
**3:20**
